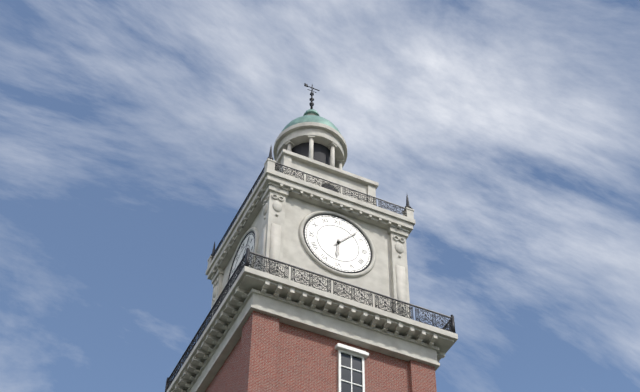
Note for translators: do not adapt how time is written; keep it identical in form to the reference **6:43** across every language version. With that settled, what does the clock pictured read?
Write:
**6:07**
